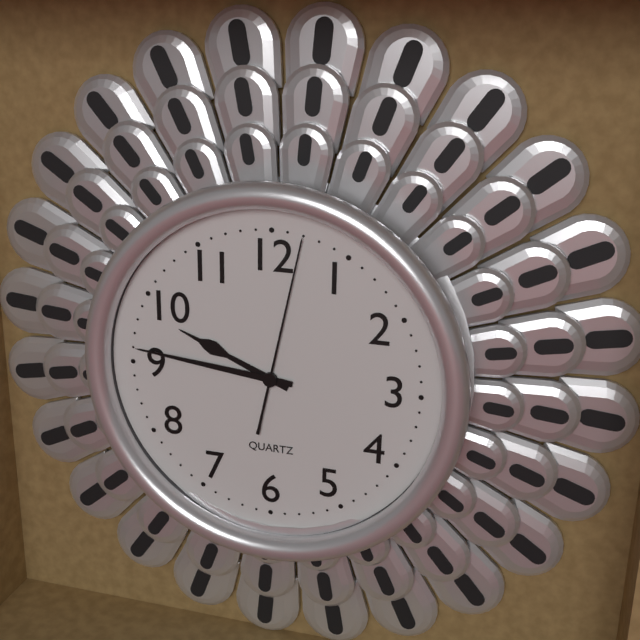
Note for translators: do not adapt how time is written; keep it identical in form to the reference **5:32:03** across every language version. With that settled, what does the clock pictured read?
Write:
**9:46:02**
